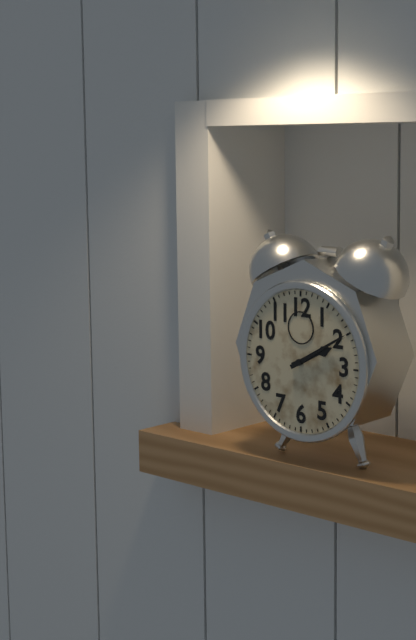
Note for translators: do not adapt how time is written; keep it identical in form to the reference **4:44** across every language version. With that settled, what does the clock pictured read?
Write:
**2:10**
